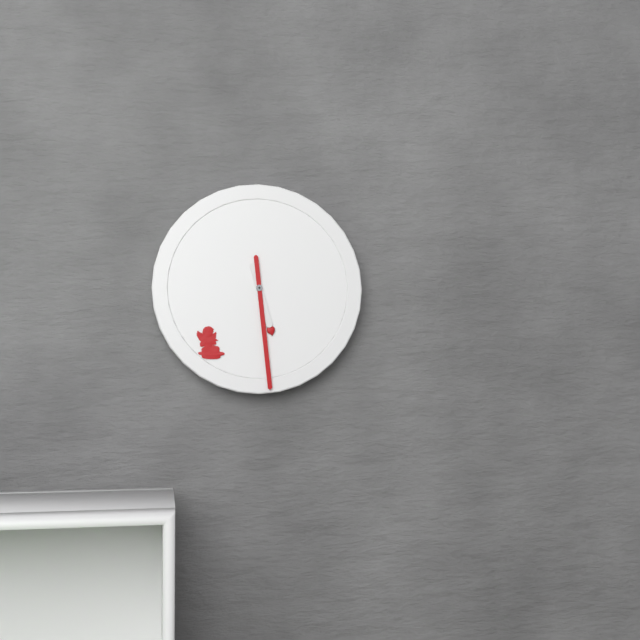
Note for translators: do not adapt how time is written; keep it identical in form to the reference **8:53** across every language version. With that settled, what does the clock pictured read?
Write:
**5:29**
